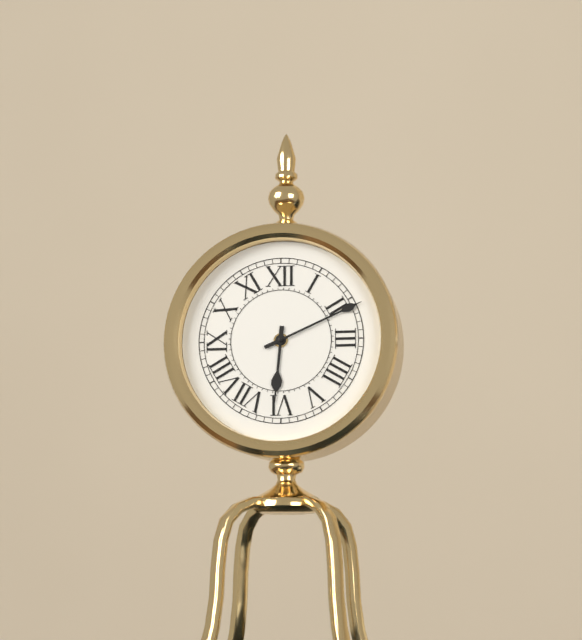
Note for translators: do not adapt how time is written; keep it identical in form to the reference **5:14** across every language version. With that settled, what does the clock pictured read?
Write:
**6:11**
